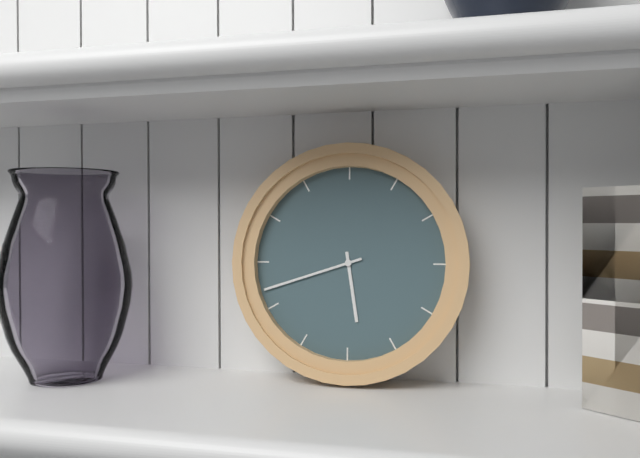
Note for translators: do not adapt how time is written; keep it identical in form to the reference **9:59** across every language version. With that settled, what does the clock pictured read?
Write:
**5:42**
